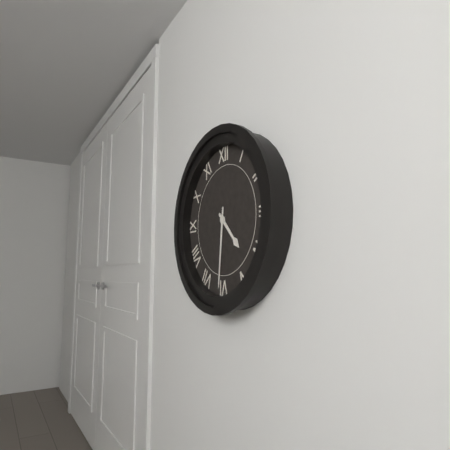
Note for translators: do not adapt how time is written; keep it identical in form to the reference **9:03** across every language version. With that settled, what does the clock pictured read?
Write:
**4:31**
